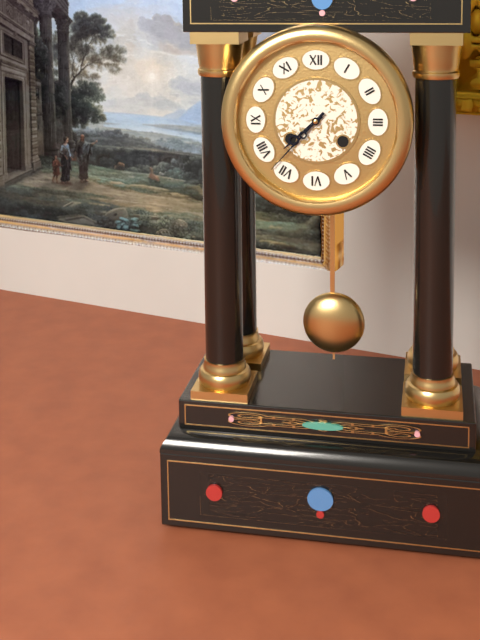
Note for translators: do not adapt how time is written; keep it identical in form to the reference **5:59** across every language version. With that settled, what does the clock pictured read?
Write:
**7:37**
